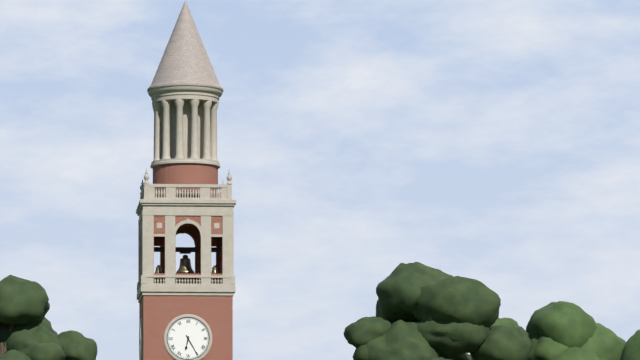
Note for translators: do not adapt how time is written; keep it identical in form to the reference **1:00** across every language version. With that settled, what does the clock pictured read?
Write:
**6:25**
